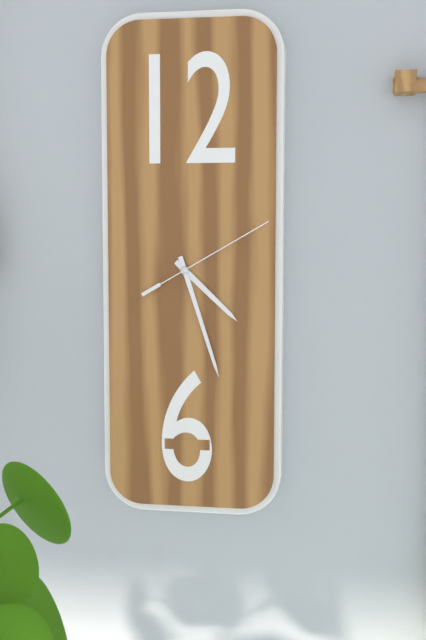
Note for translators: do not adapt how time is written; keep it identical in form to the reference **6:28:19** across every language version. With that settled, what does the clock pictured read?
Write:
**4:27:10**
